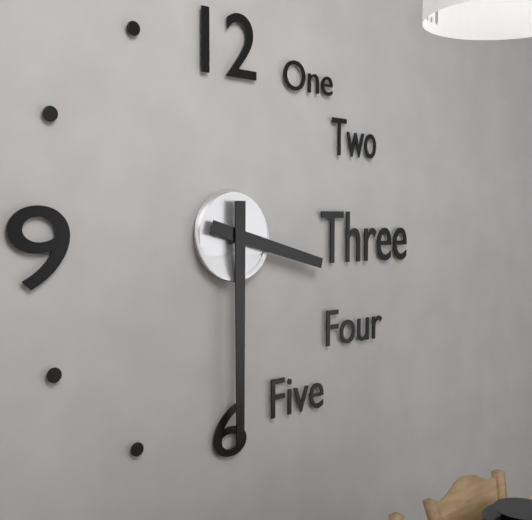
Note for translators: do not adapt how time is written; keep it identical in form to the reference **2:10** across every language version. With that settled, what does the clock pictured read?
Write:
**3:30**
